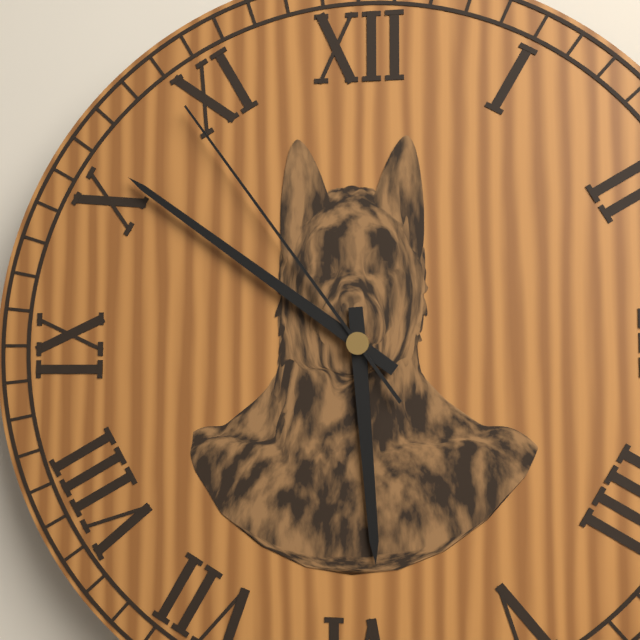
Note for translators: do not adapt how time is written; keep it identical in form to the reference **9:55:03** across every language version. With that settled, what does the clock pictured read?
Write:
**5:51:54**
